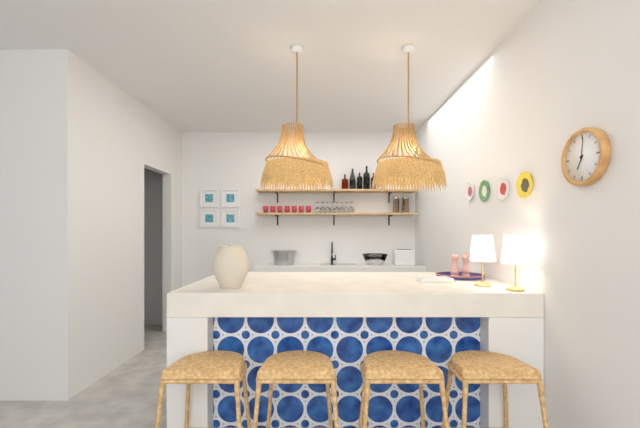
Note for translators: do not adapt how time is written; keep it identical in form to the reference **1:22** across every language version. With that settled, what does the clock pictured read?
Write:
**7:01**
